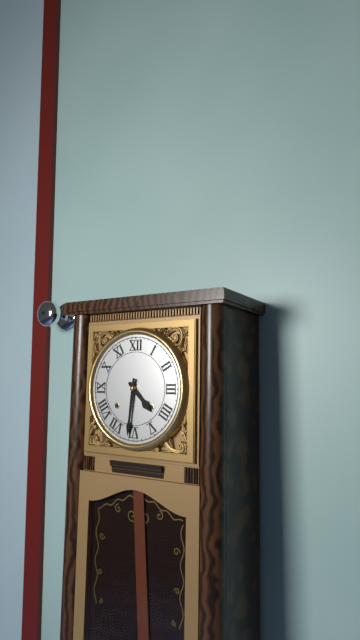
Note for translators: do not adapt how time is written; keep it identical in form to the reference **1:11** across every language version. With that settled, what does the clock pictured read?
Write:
**4:31**
